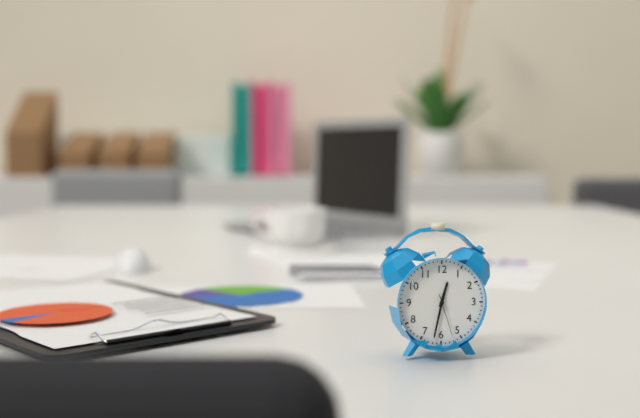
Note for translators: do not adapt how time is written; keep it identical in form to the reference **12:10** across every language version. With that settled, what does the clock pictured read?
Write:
**12:32**
